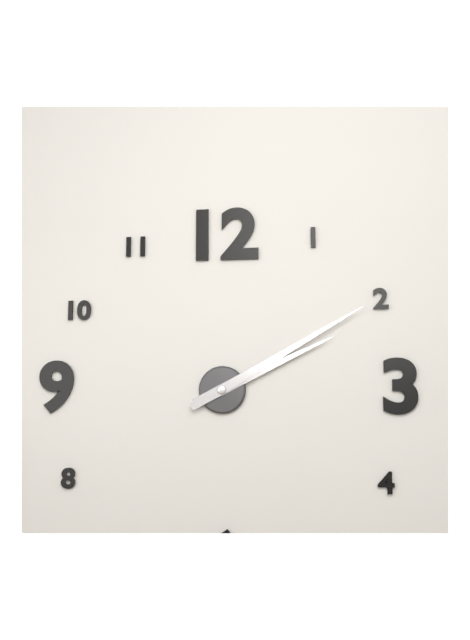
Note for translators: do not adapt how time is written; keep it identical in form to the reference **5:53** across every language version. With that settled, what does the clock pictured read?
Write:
**2:10**
